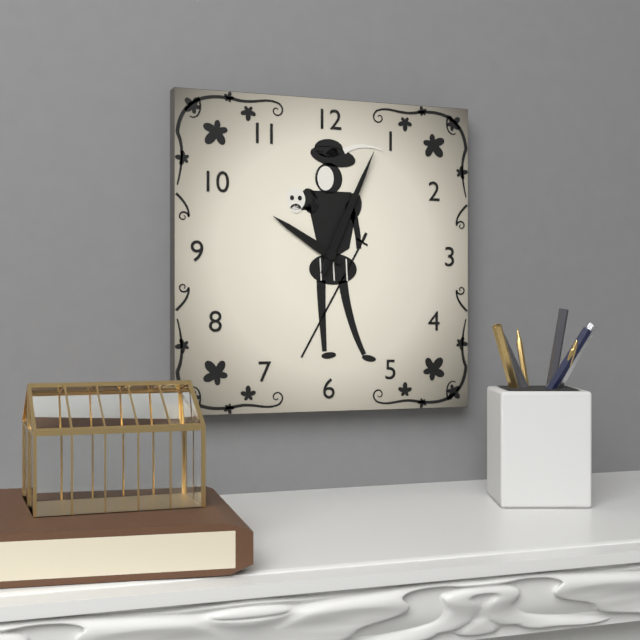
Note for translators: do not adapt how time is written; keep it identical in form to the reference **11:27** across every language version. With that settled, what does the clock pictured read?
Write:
**10:04**
